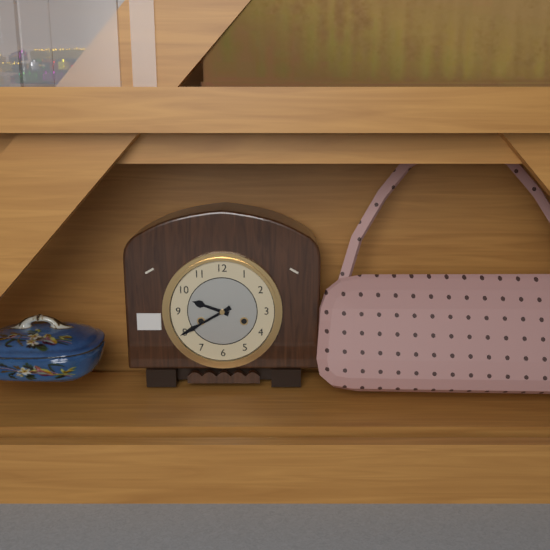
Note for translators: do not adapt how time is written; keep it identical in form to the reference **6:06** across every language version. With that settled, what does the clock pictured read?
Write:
**9:40**
